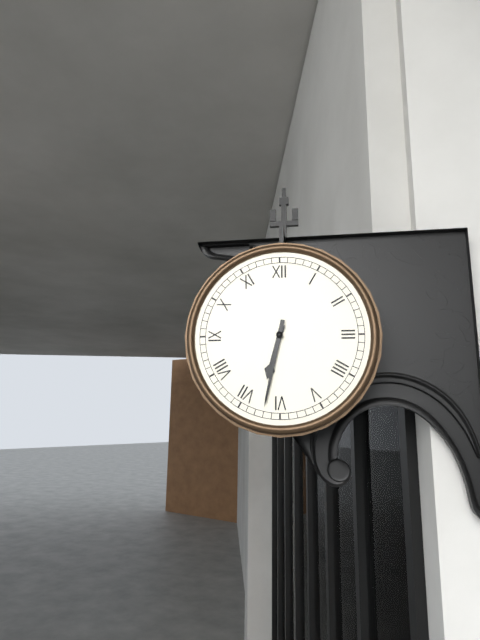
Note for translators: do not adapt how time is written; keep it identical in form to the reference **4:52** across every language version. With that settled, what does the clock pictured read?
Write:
**6:32**
